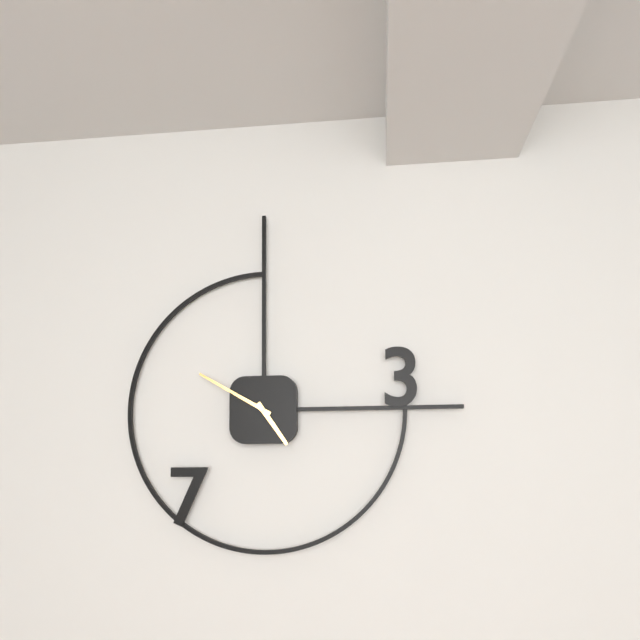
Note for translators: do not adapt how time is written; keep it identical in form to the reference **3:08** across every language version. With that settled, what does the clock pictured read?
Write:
**4:50**
